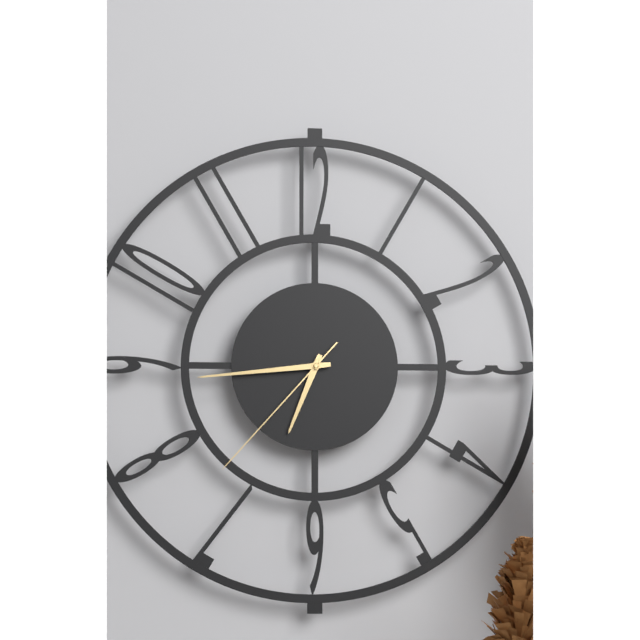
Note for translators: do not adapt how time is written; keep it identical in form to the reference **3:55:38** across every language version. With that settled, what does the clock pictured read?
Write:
**6:44:37**
